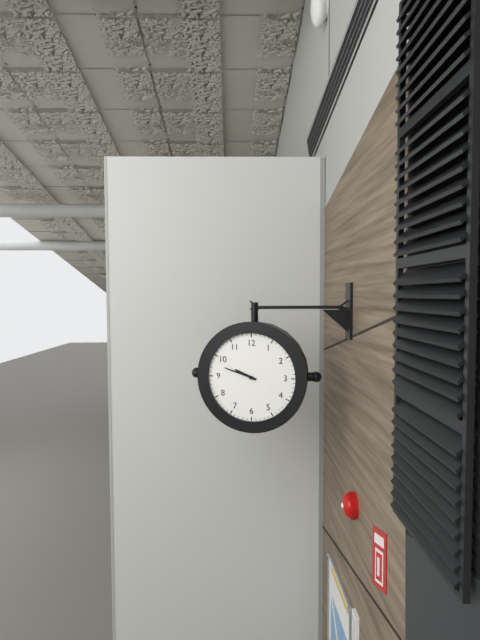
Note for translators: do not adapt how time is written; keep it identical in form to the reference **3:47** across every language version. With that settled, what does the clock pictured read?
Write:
**9:48**
